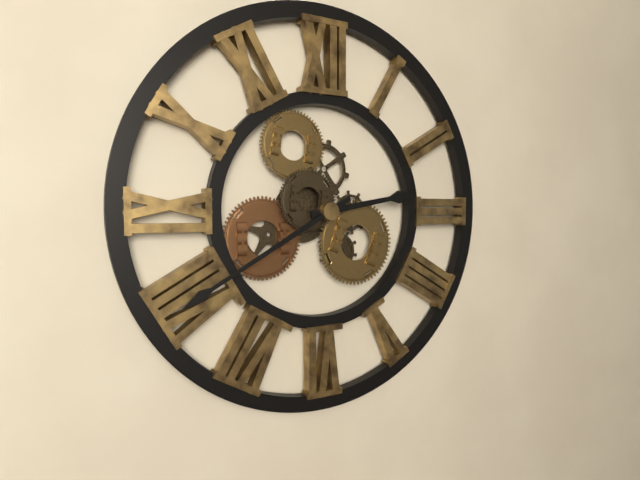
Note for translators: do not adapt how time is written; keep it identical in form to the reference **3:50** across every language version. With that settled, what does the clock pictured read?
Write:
**2:40**
